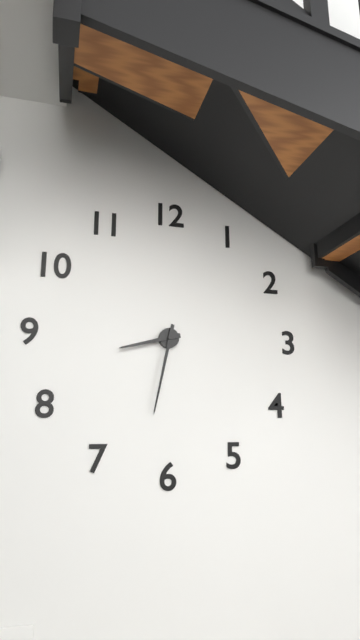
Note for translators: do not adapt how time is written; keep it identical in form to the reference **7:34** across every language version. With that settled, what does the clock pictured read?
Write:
**8:32**
